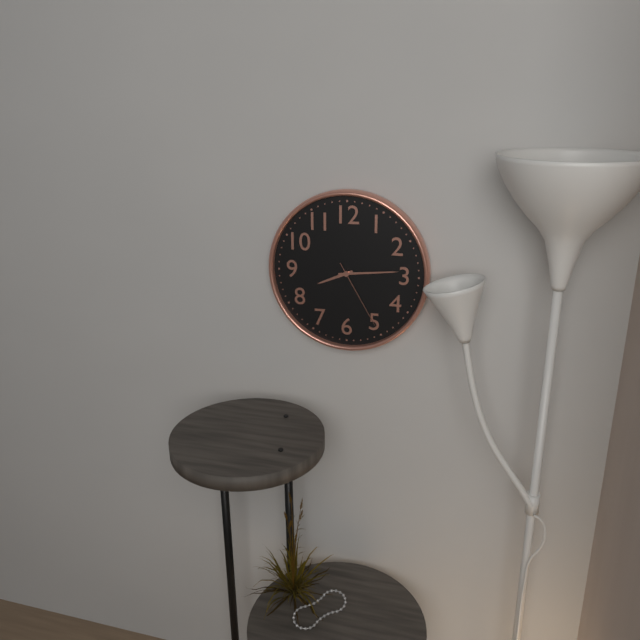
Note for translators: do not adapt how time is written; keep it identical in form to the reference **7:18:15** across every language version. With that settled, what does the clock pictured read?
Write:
**8:14:25**
